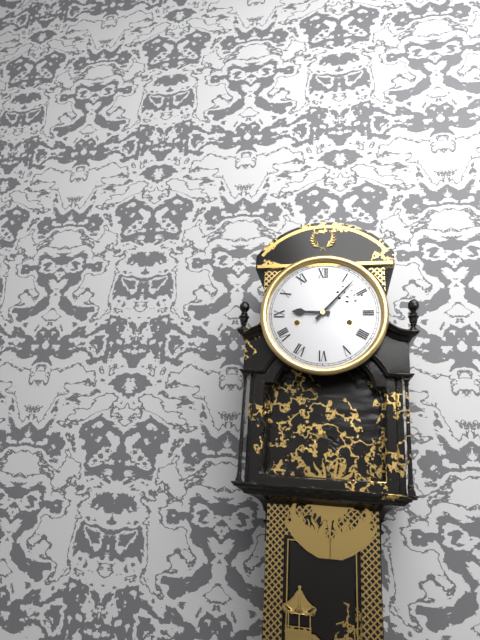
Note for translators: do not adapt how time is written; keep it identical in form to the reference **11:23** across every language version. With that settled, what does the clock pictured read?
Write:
**9:07**
